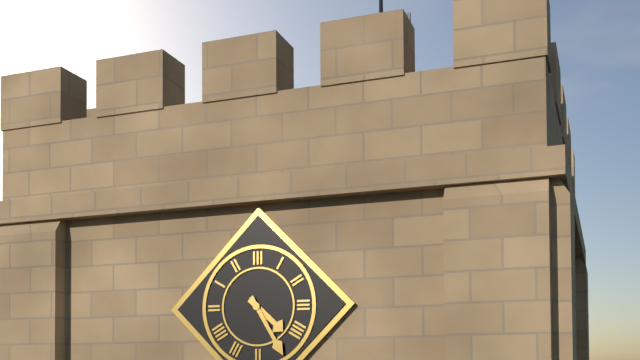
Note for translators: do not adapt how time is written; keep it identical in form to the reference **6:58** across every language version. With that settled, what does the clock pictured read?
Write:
**4:25**
